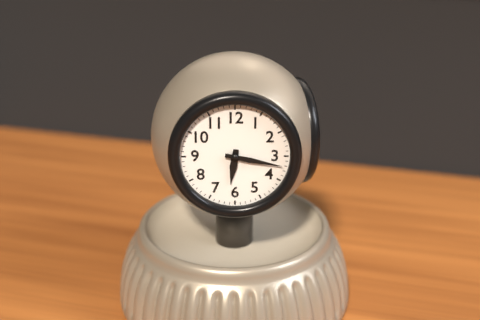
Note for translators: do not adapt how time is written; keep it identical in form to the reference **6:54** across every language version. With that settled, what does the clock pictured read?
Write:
**6:17**
